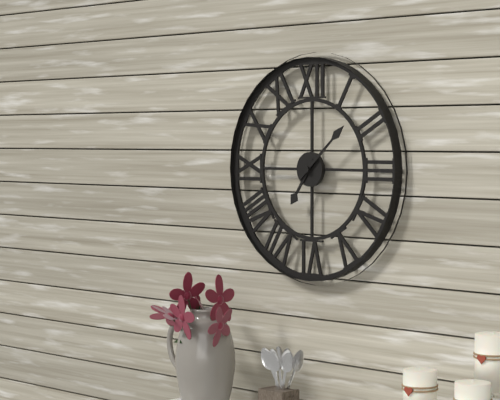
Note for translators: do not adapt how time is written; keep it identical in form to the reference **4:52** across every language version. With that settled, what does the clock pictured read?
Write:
**7:08**
